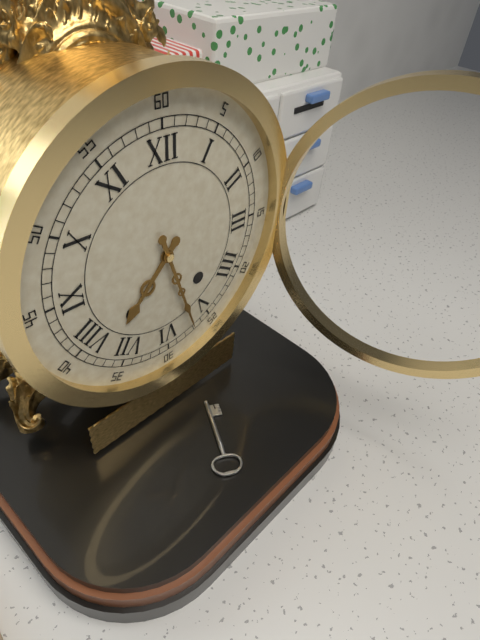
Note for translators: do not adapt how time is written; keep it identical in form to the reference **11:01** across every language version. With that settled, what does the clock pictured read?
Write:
**7:27**
